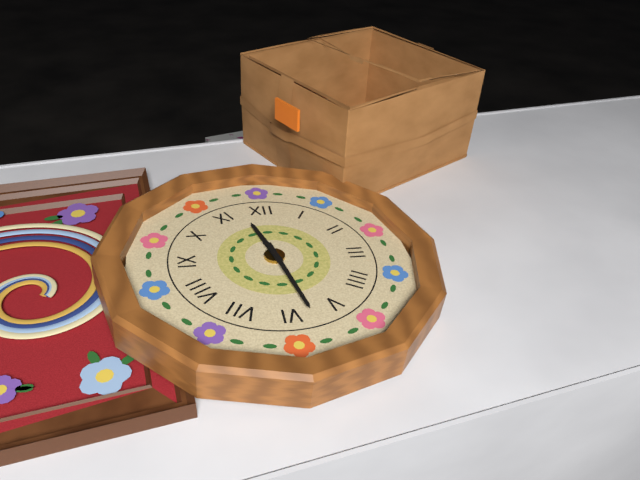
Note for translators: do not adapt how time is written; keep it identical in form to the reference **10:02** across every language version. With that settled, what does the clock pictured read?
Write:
**11:28**
